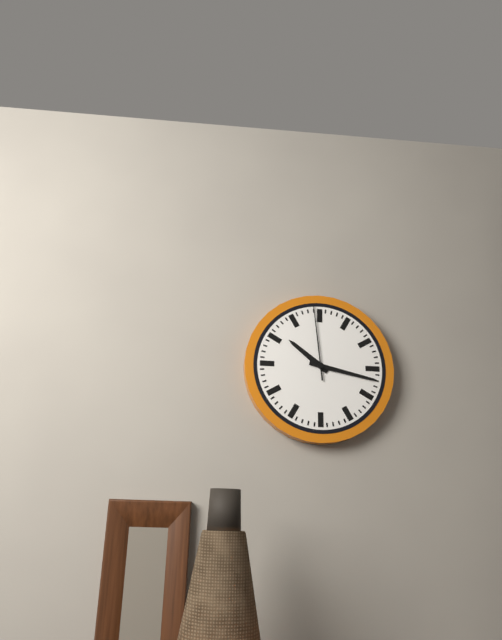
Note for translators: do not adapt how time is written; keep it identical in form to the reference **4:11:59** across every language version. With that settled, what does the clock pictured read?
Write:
**10:17:59**
